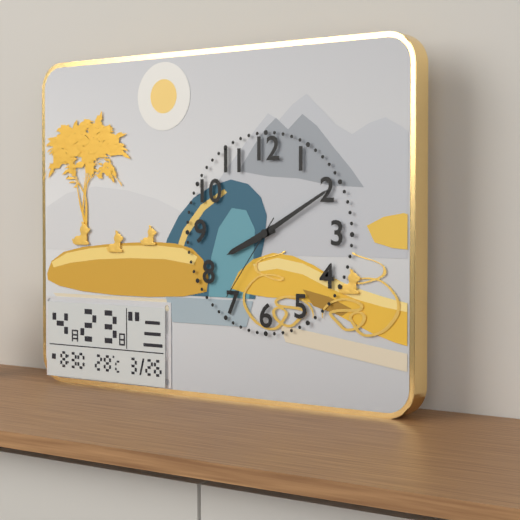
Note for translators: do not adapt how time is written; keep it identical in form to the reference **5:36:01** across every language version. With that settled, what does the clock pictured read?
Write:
**8:10:36**
